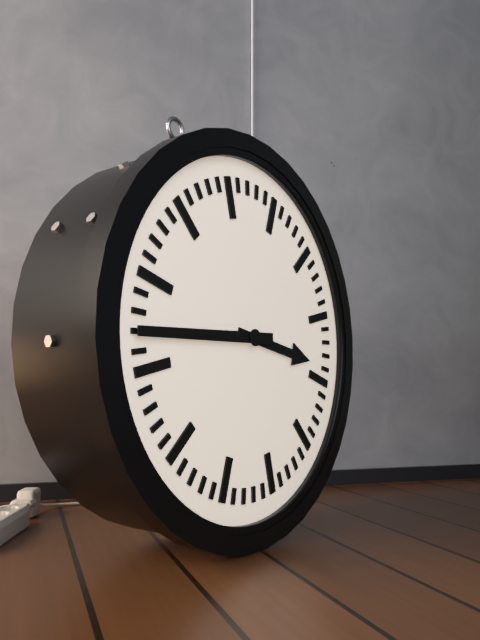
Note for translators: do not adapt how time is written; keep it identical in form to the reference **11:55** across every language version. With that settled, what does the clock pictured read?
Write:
**3:47**
